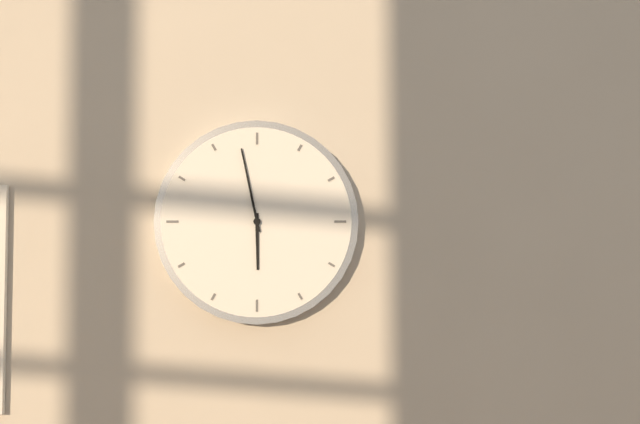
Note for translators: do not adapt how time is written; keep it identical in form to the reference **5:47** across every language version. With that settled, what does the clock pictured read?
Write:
**5:58**
